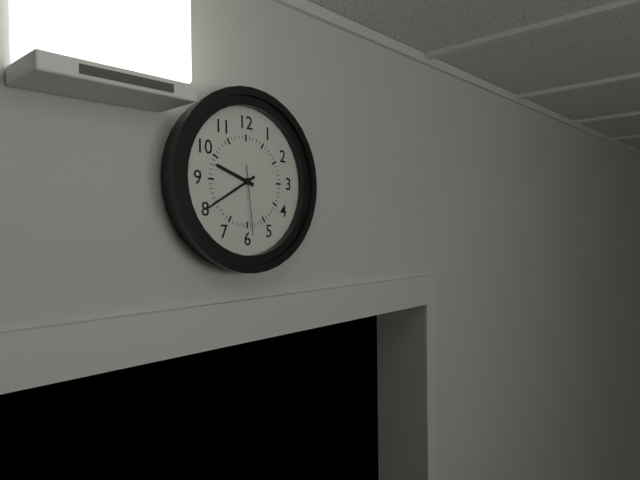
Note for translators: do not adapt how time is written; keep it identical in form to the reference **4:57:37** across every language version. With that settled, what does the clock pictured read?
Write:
**9:40:29**
